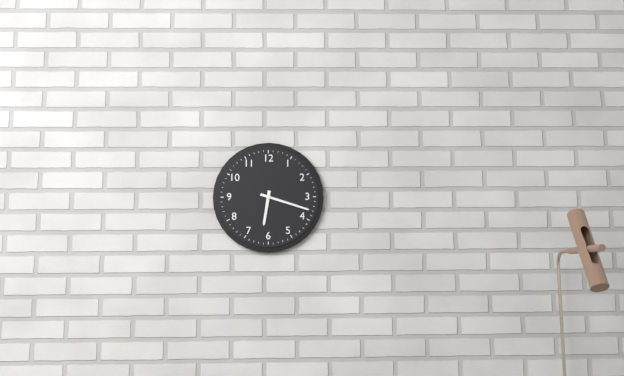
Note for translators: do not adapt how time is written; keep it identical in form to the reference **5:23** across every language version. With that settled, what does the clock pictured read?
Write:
**6:18**
